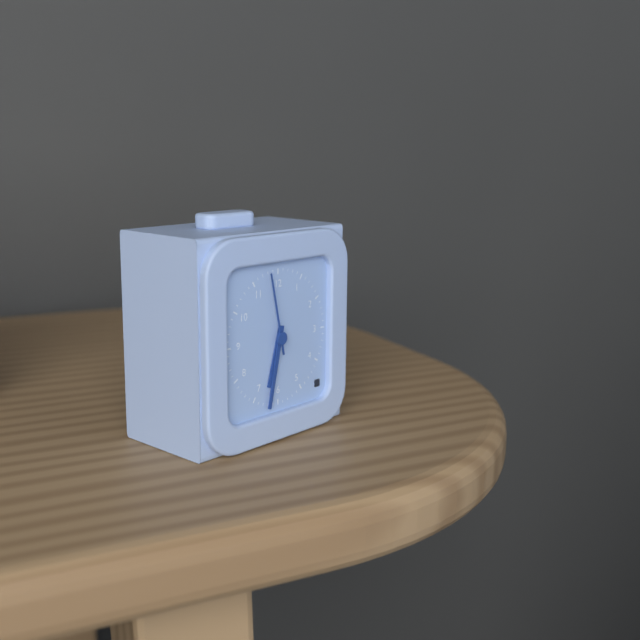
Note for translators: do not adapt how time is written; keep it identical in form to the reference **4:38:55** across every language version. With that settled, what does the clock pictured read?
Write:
**6:32:58**
